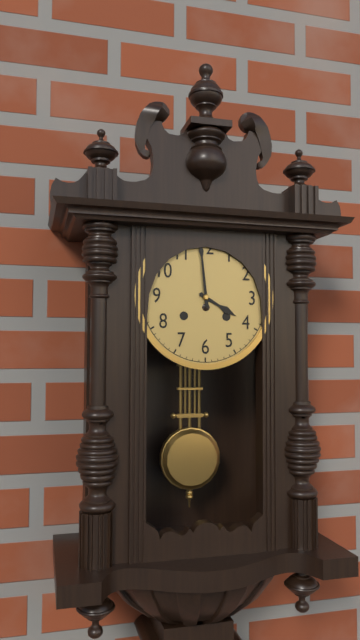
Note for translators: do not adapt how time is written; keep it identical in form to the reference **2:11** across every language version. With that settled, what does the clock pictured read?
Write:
**3:59**
